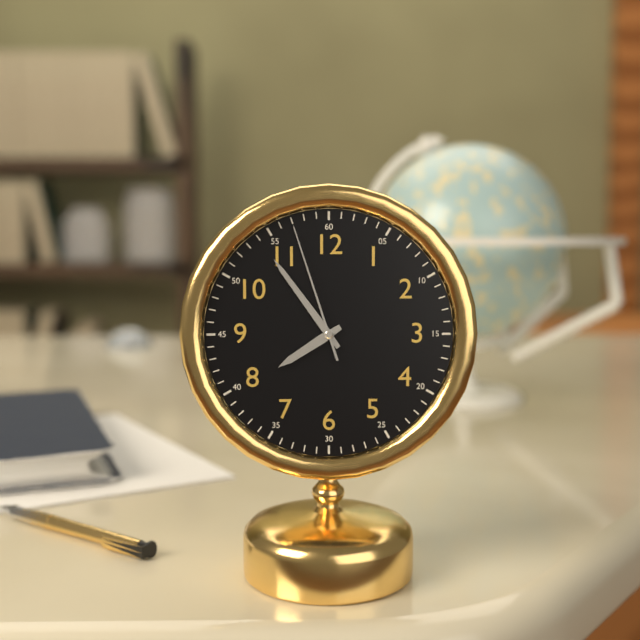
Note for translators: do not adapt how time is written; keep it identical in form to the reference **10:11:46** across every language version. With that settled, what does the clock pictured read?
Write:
**7:54:57**
